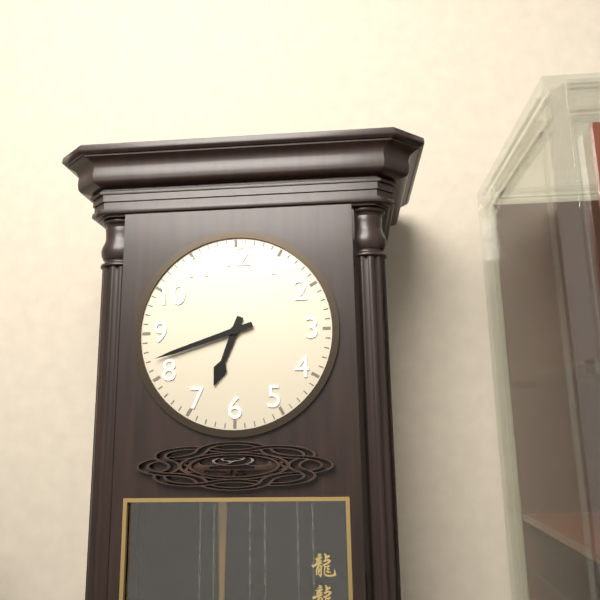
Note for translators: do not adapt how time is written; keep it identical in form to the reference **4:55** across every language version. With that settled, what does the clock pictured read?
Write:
**6:42**
